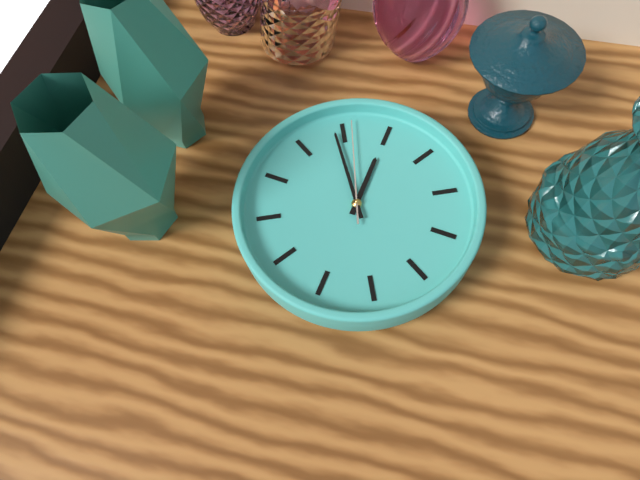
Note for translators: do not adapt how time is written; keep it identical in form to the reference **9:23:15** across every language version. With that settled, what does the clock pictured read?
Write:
**12:59:01**
